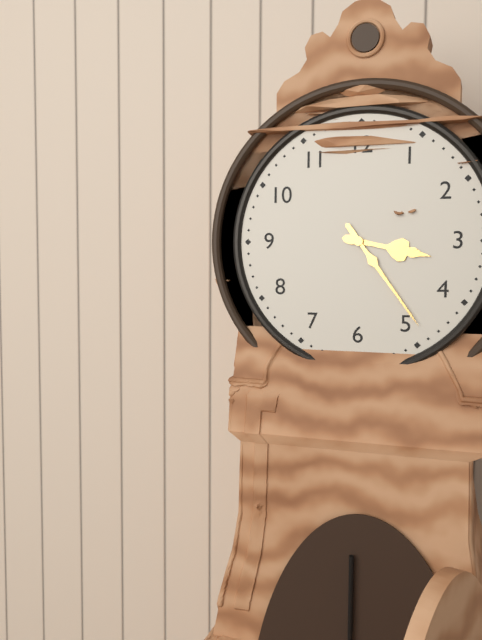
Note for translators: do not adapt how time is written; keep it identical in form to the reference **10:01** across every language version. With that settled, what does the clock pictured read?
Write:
**3:24**
